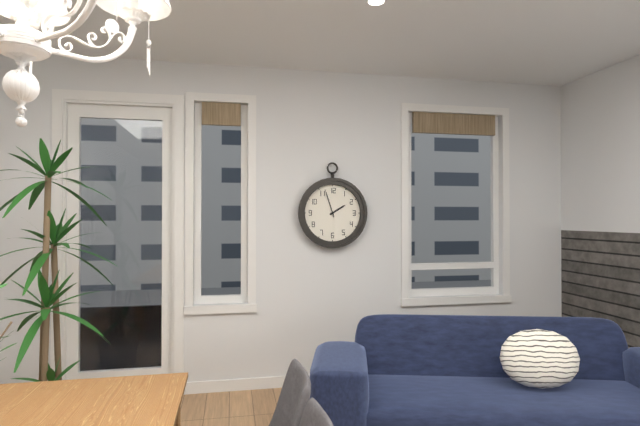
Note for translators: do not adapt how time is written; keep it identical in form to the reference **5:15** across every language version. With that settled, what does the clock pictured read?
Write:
**1:57**
